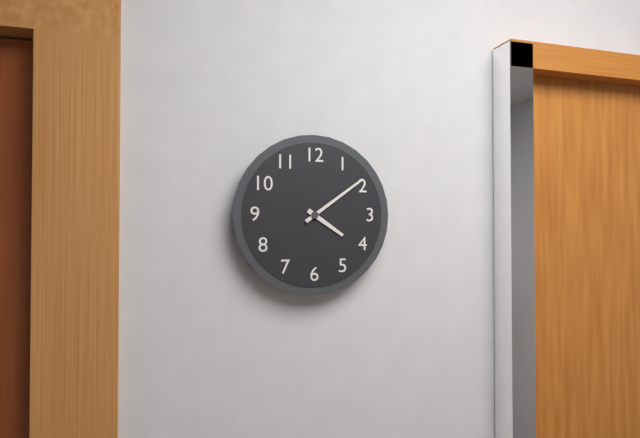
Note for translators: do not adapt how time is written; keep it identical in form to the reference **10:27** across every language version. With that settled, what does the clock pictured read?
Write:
**4:09**
